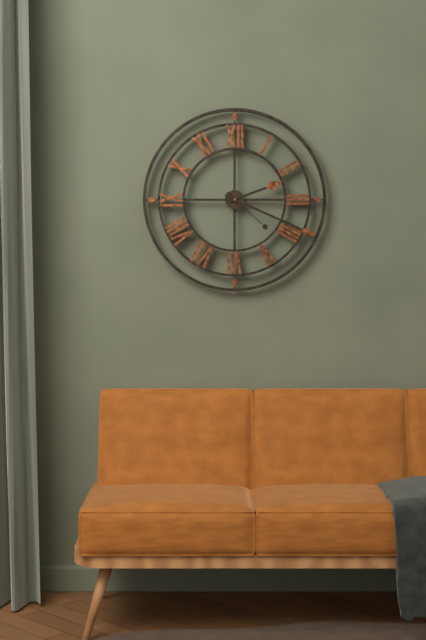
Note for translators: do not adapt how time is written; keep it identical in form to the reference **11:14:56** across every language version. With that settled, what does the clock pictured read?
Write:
**2:19:22**
